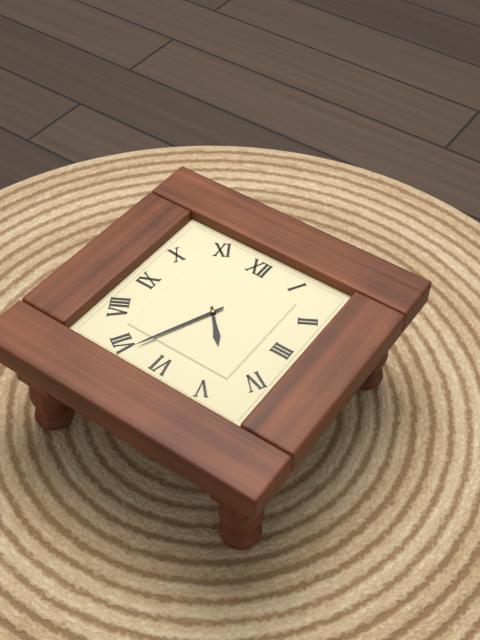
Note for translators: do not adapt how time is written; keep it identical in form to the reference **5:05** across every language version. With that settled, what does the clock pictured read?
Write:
**4:34**
